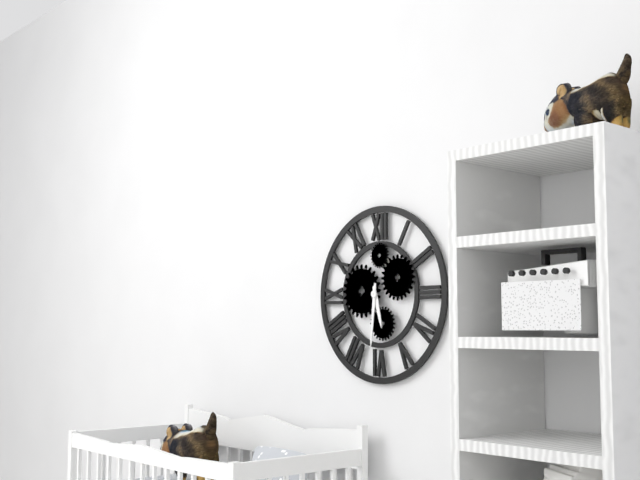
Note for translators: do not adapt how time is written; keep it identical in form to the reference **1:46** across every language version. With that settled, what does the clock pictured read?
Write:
**5:31**
